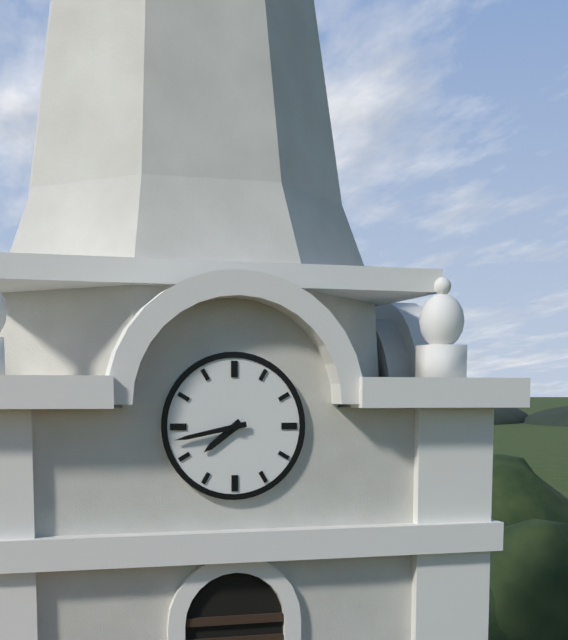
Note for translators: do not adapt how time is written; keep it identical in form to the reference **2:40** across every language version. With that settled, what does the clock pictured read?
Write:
**7:43**
